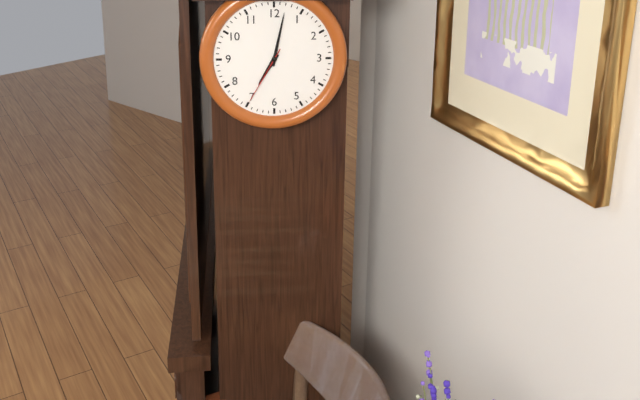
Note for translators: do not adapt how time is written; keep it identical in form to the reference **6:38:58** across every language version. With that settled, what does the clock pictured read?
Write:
**7:02:35**
